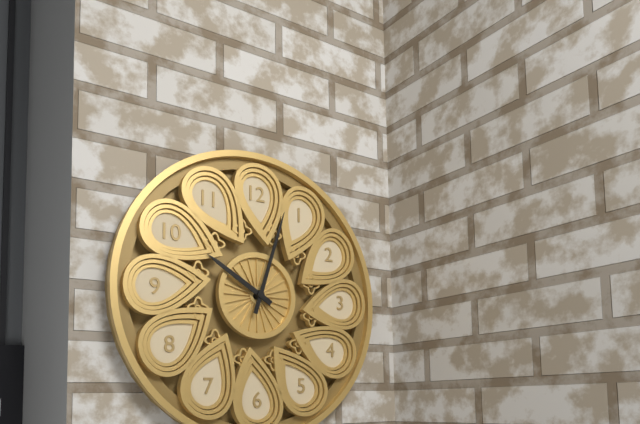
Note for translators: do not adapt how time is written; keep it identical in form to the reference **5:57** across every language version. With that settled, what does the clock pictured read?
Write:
**10:03**
